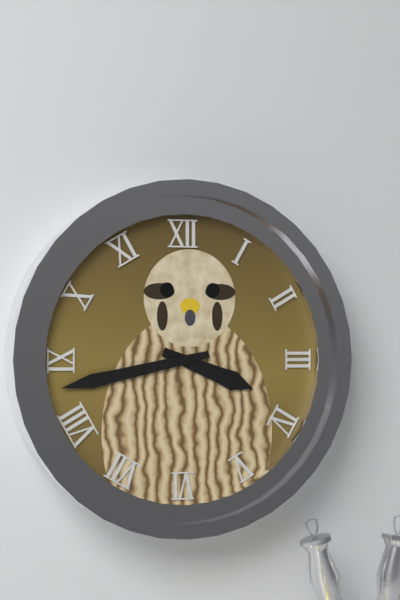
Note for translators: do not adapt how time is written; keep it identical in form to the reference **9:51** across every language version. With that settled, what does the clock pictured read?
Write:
**3:43**
